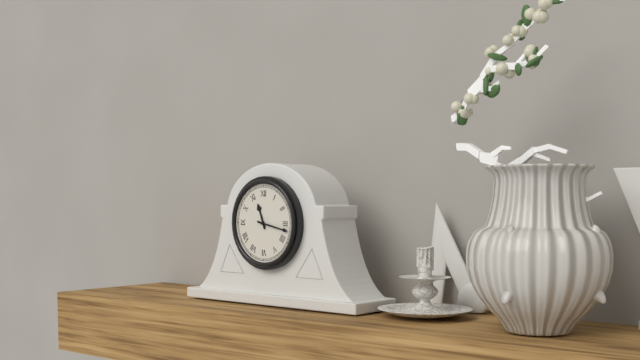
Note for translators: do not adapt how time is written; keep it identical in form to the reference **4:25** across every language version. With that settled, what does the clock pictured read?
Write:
**11:17**
